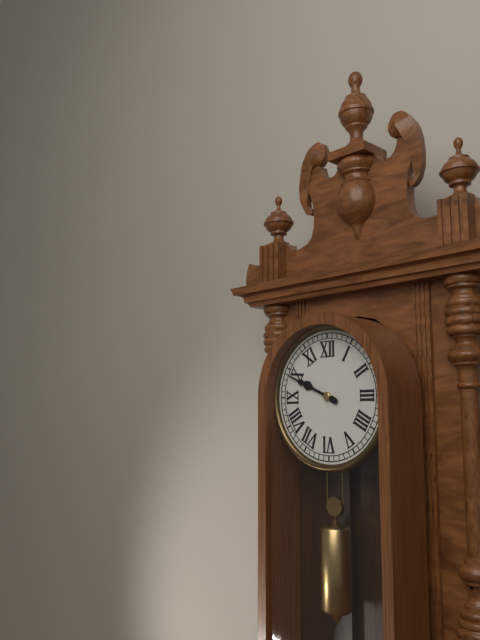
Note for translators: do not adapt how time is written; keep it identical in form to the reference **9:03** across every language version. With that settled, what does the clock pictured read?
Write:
**9:49**
